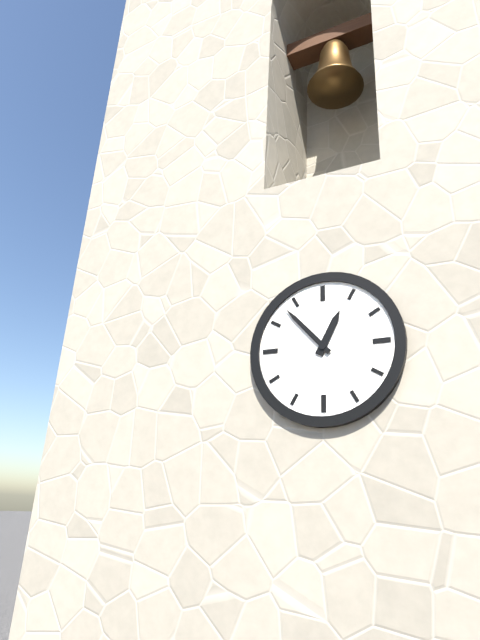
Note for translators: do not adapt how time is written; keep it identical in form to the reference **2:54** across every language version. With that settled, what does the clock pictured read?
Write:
**12:53**
